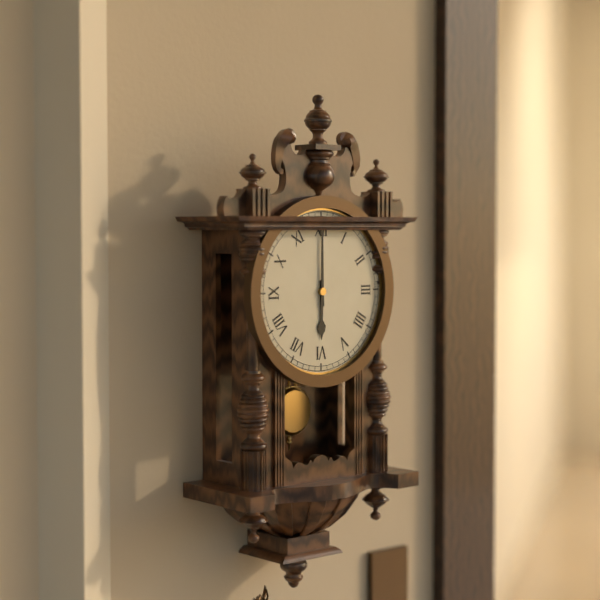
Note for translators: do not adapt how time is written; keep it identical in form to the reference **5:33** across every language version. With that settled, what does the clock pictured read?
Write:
**6:00**
